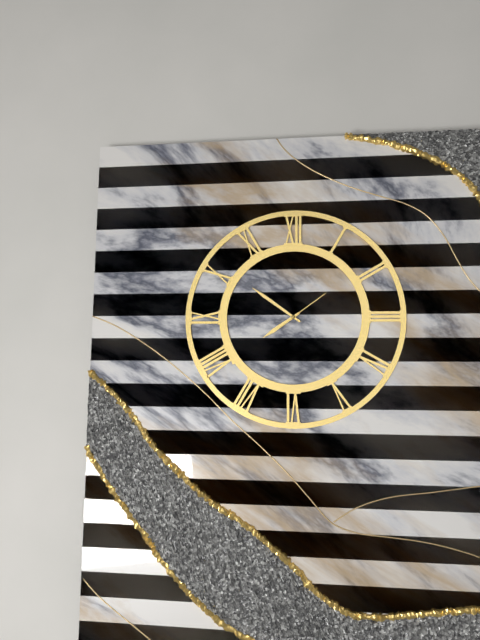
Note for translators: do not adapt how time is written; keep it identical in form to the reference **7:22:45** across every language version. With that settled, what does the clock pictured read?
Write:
**7:51:09**
